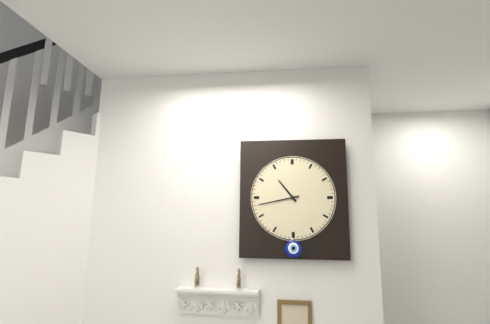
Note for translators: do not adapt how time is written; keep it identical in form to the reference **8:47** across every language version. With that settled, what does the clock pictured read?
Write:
**10:43**
